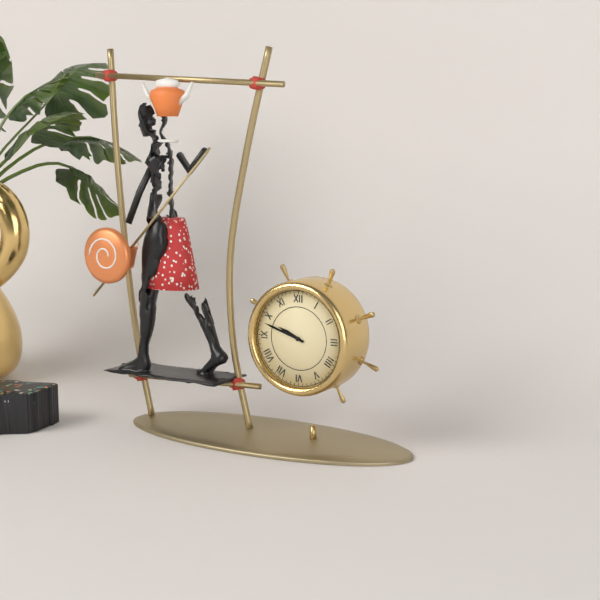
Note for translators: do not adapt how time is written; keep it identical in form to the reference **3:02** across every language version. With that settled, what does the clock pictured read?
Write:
**9:48**
